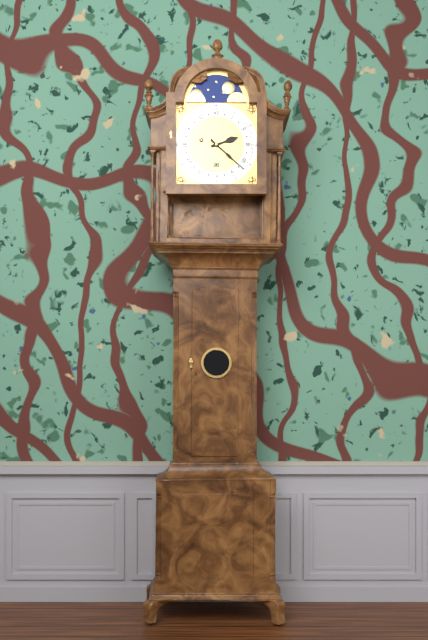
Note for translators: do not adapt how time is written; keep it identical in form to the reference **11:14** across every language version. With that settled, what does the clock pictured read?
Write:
**2:22**
